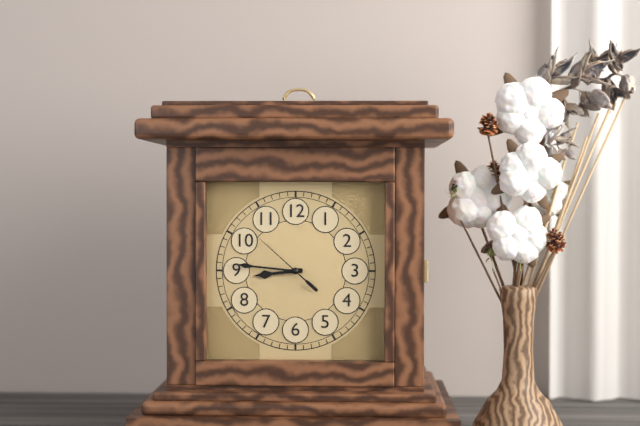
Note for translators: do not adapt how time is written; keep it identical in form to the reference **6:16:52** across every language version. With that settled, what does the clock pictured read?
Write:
**8:46:52**
